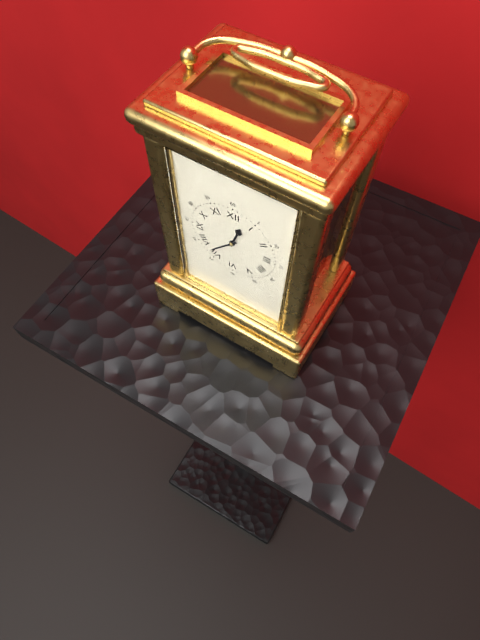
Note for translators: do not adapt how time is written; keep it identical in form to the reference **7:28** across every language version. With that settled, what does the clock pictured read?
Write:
**12:37**
